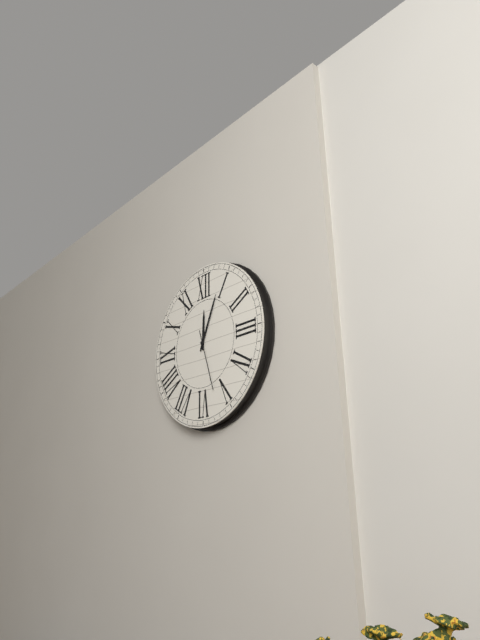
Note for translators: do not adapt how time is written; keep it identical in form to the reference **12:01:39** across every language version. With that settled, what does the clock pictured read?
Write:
**12:04:27**
